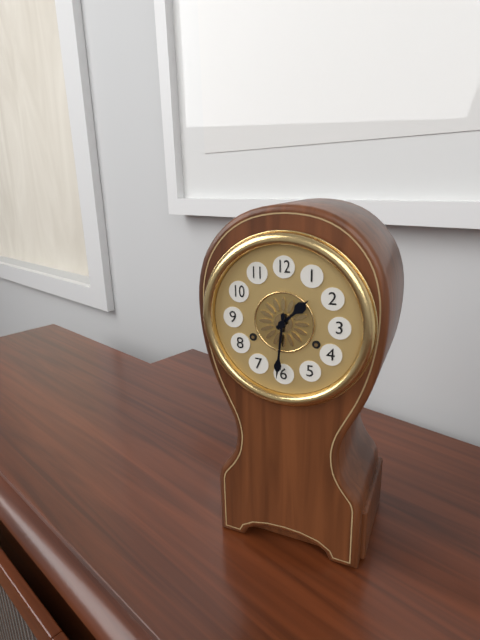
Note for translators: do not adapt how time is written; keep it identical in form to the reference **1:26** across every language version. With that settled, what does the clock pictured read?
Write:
**1:31**
